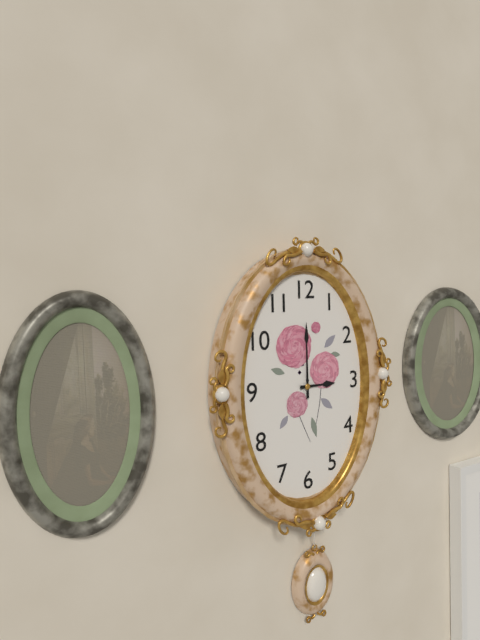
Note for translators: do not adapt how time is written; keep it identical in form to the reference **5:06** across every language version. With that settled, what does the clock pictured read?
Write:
**3:00**
